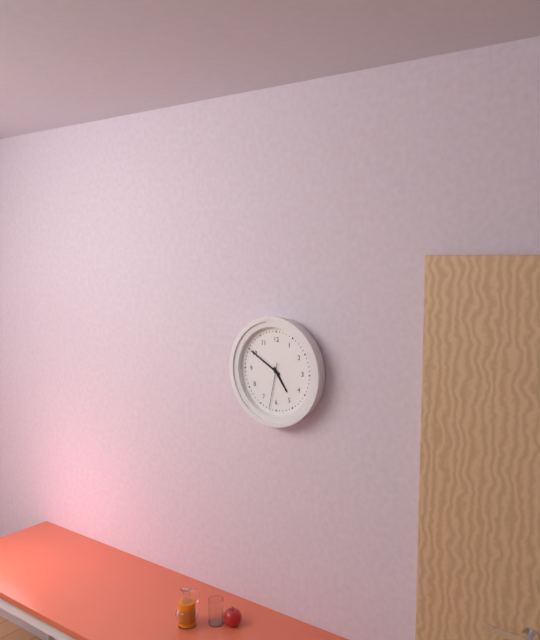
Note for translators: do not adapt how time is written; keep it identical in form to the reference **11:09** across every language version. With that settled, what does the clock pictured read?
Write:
**4:50**
